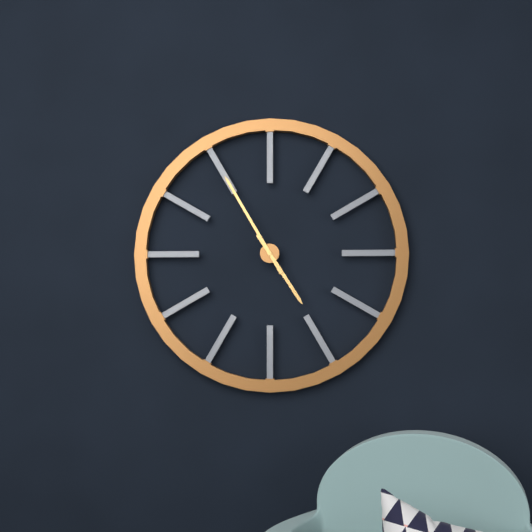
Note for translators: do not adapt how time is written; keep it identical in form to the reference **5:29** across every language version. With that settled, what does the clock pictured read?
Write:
**4:55**
